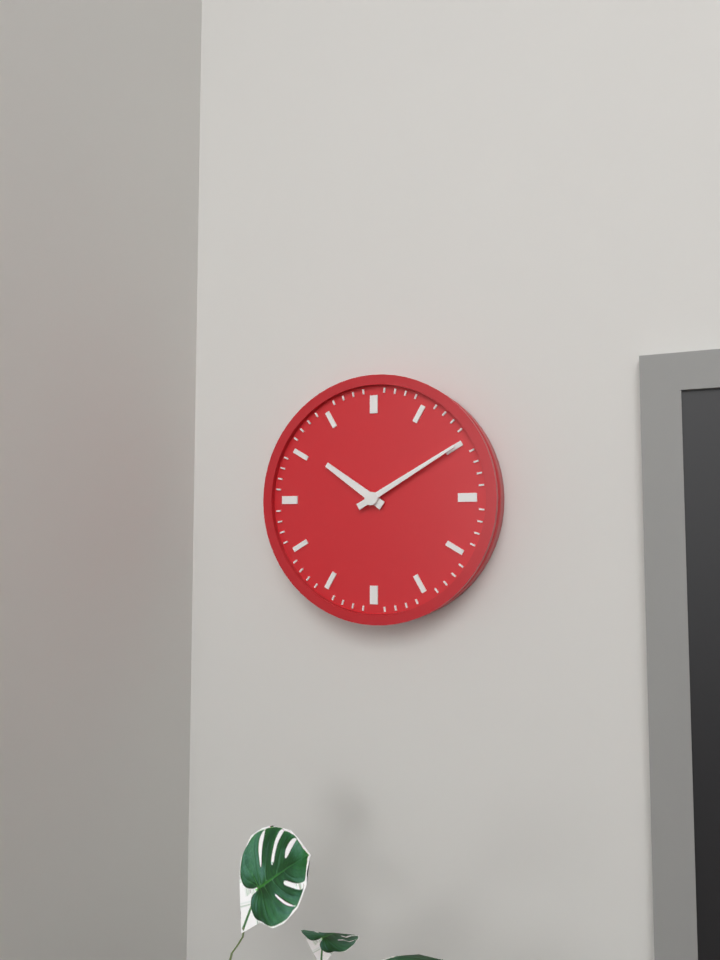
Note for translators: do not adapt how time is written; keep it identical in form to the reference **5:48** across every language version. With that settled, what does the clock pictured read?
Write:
**10:10**
